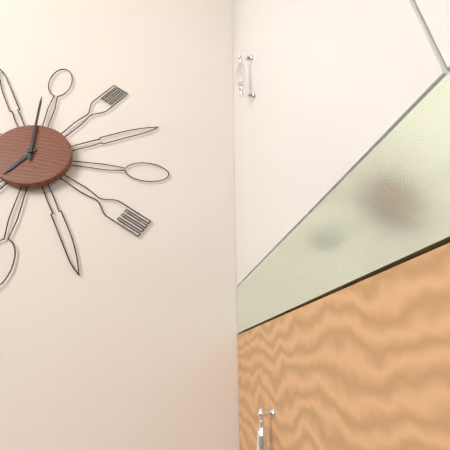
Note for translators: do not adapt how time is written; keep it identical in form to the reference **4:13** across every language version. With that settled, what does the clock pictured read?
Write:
**6:59**
